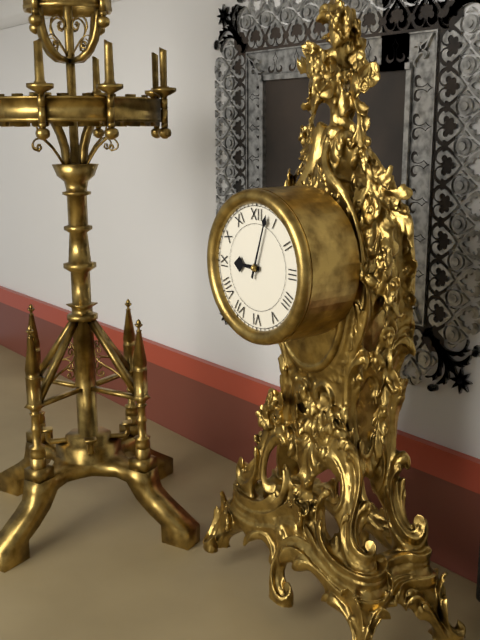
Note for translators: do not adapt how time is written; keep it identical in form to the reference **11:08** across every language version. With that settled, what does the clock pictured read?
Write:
**9:03**
